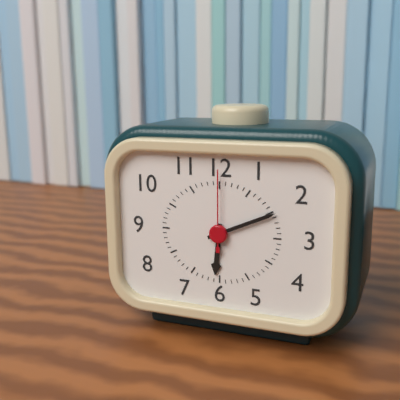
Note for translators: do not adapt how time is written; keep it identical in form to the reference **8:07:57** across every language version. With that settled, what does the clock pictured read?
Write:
**6:11:00**
